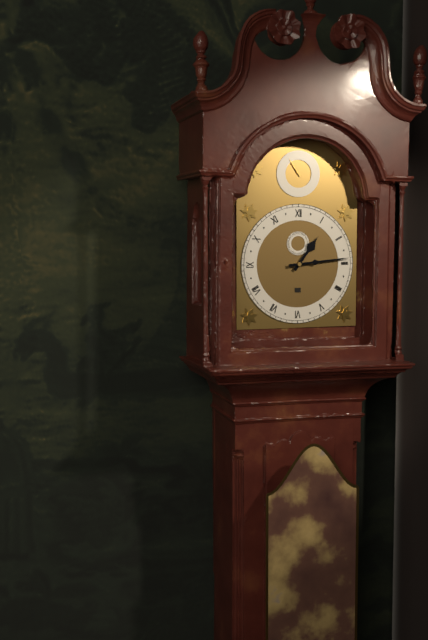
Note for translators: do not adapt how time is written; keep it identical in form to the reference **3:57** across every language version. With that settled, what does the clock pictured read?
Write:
**1:14**
